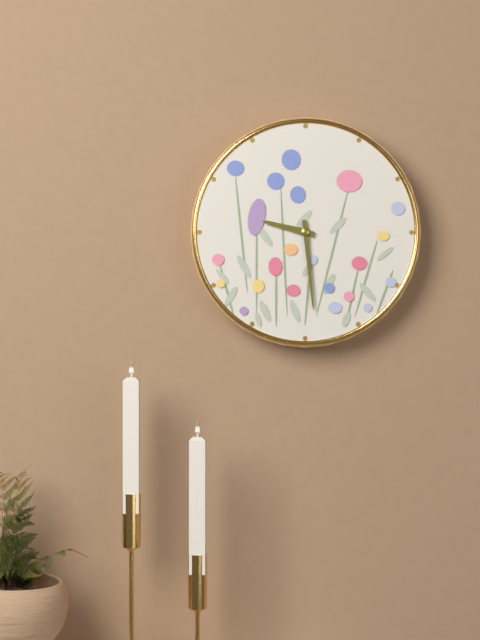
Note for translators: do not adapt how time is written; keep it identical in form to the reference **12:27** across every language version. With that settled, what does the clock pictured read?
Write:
**9:29**
